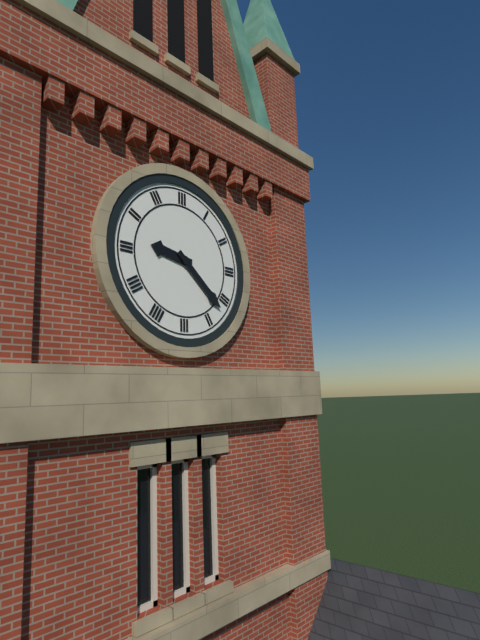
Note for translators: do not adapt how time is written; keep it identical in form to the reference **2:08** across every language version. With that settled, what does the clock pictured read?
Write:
**9:22**
